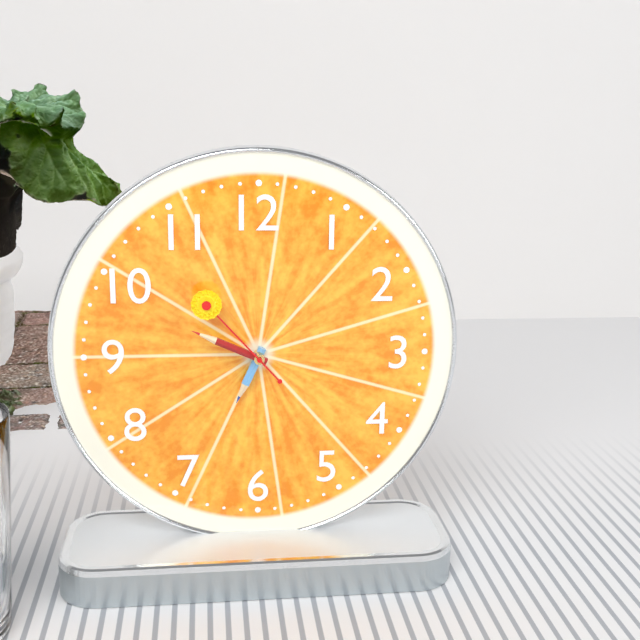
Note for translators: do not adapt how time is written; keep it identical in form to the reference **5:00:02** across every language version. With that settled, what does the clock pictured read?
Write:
**6:49:53**
